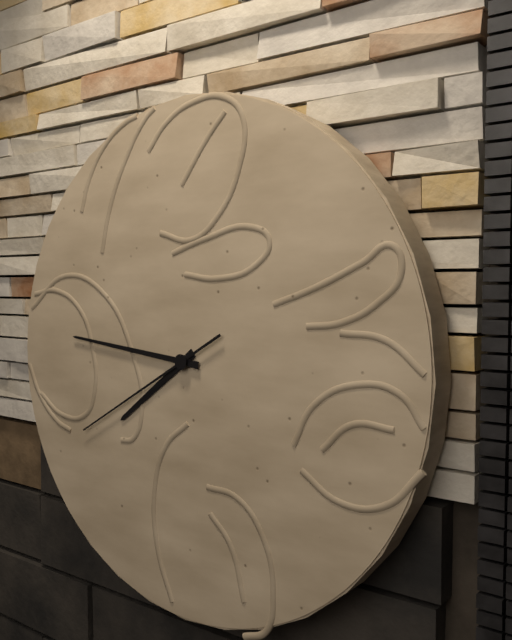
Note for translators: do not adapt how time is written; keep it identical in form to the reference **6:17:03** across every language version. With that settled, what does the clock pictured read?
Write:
**7:46:40**
